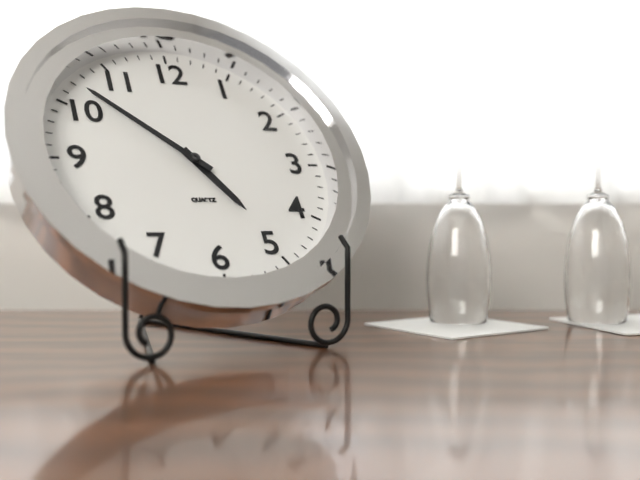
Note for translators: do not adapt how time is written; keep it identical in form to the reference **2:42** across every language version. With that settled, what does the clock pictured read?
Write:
**4:52**
